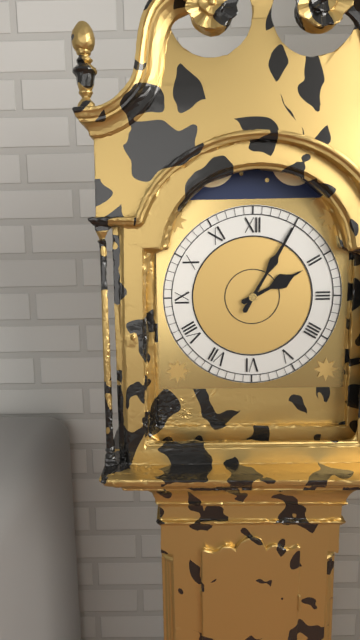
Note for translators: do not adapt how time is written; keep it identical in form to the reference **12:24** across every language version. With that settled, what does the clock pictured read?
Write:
**2:05**
